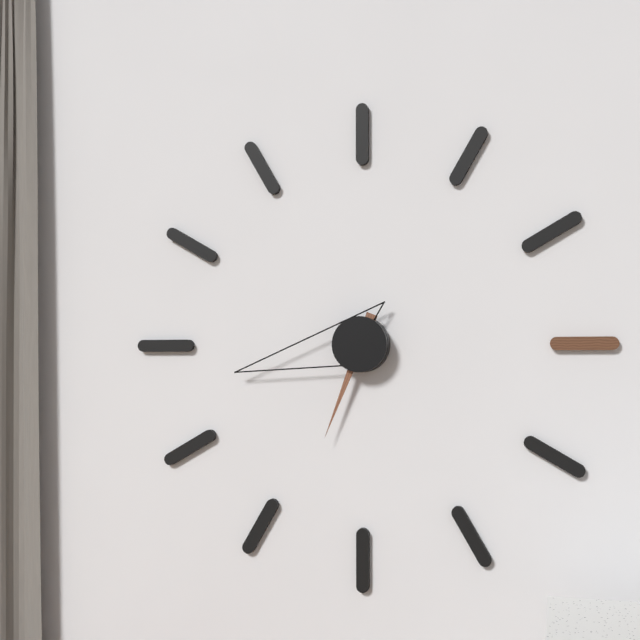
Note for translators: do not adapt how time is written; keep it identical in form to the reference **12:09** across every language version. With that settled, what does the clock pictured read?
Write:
**6:43**
